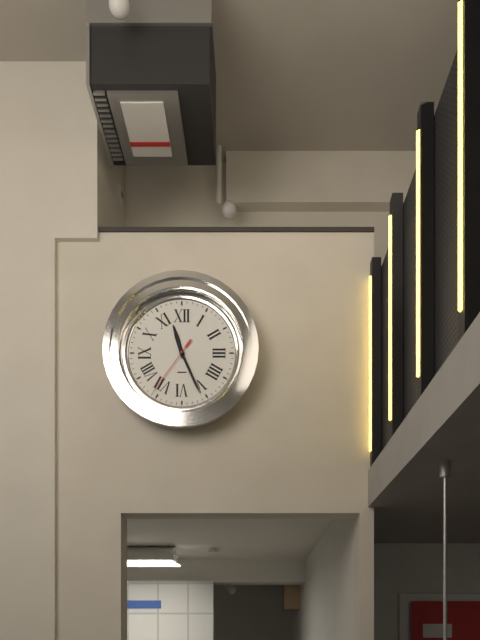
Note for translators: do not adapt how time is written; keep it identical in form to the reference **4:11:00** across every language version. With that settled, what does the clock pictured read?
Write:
**11:26:36**
